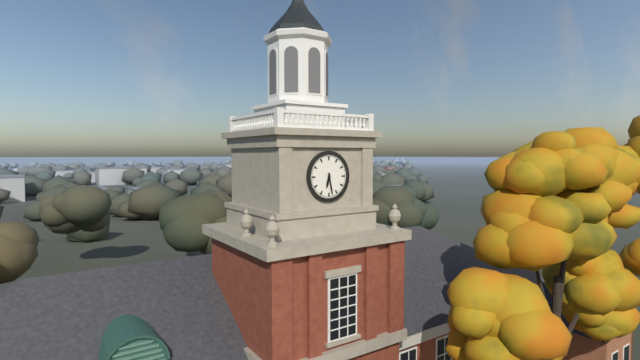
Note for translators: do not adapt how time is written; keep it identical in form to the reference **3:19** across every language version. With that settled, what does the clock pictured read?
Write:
**6:28**
